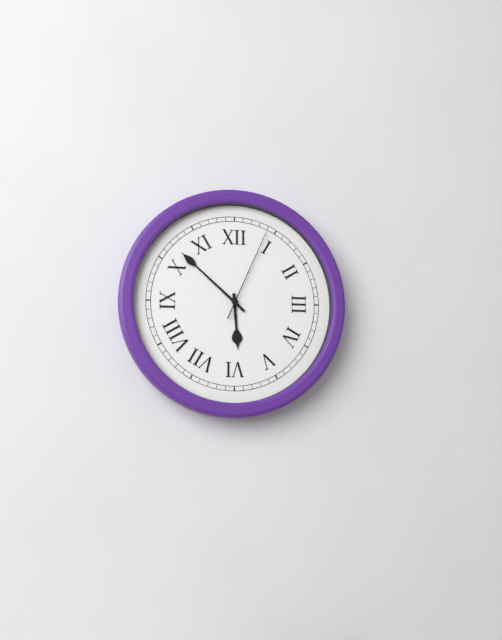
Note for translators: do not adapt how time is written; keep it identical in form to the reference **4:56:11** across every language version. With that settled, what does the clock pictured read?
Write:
**5:52:04**
